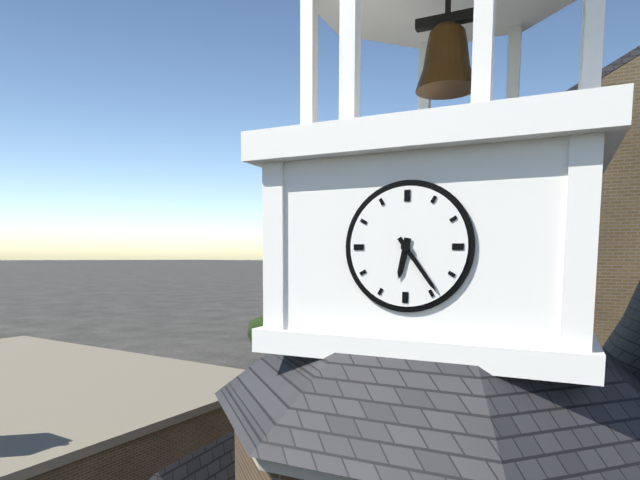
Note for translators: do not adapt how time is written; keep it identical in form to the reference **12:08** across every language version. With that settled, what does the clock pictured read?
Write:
**6:24**
